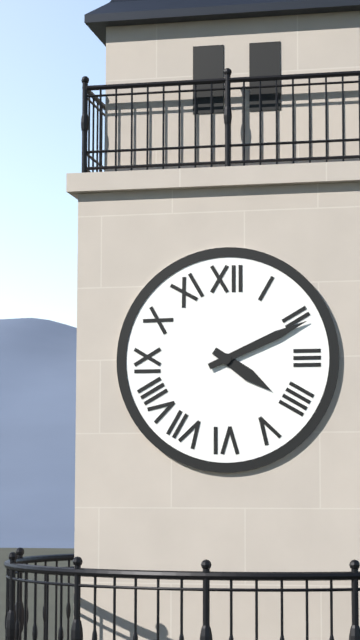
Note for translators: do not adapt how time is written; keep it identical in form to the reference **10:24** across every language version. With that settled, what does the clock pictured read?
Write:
**4:11**
